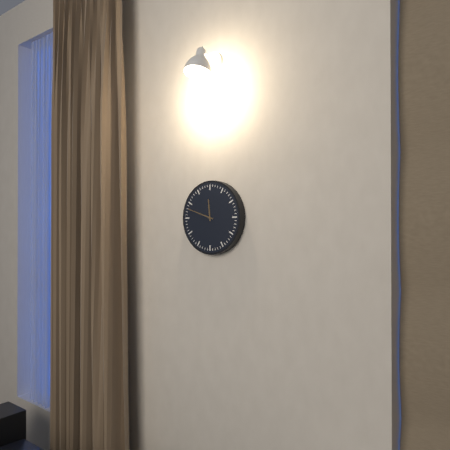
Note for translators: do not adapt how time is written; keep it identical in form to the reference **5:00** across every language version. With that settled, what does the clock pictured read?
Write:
**11:48**
